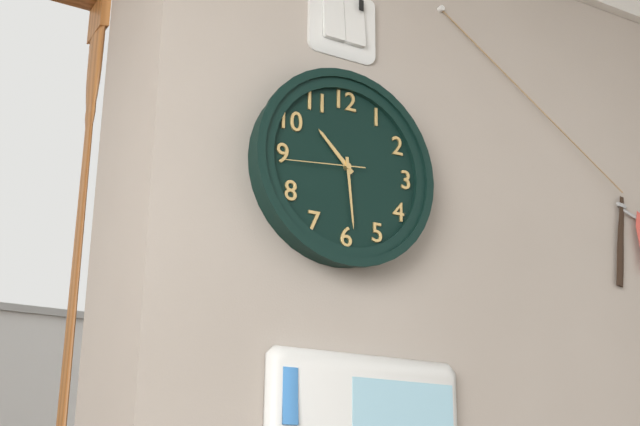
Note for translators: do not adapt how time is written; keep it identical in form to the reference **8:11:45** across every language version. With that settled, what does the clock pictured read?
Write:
**10:29:44**
